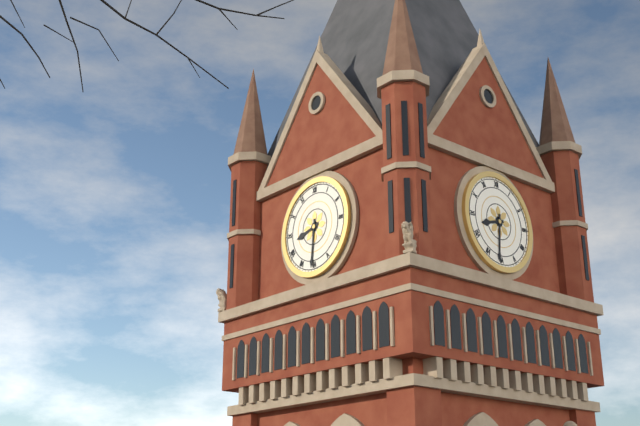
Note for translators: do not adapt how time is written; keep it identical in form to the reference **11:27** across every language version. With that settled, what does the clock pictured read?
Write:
**8:31**
